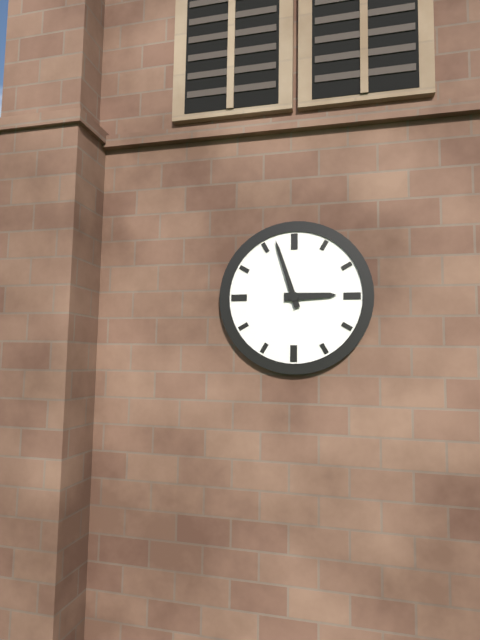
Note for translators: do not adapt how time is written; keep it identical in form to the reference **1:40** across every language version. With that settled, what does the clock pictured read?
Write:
**2:57**
